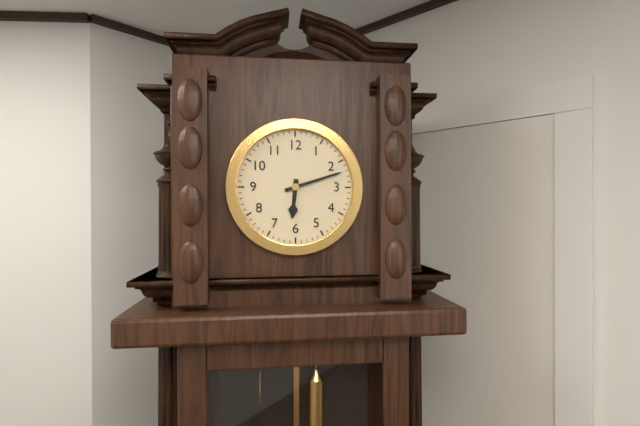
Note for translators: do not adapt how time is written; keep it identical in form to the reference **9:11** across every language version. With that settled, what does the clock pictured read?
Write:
**6:12**
